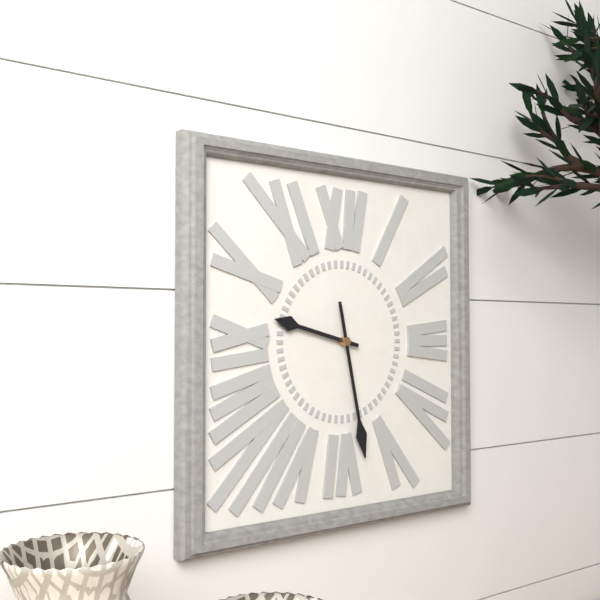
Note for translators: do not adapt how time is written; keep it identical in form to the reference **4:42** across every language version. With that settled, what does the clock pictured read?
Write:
**9:28**
